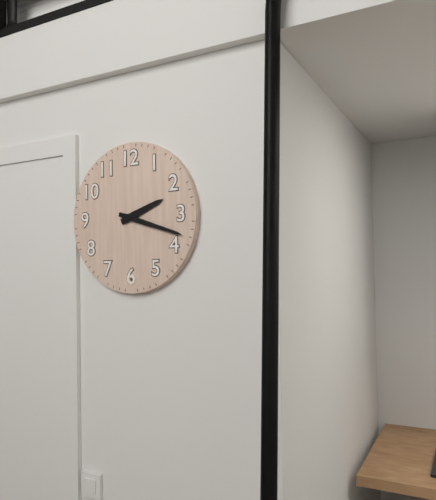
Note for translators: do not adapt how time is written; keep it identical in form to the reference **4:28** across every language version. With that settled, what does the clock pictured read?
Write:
**2:18**
